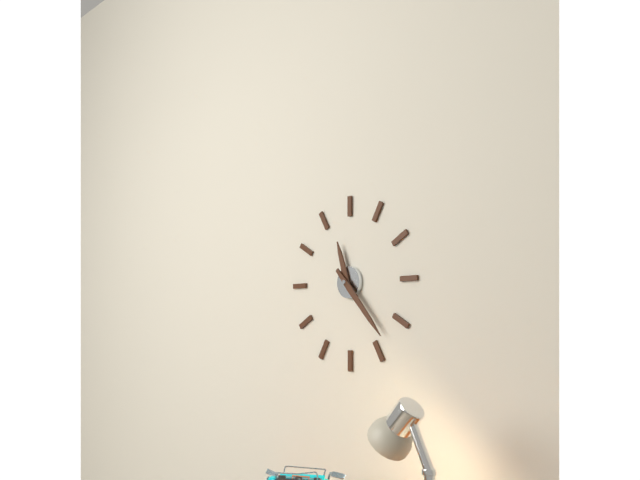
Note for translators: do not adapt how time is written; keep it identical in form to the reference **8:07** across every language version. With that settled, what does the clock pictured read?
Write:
**11:23**
